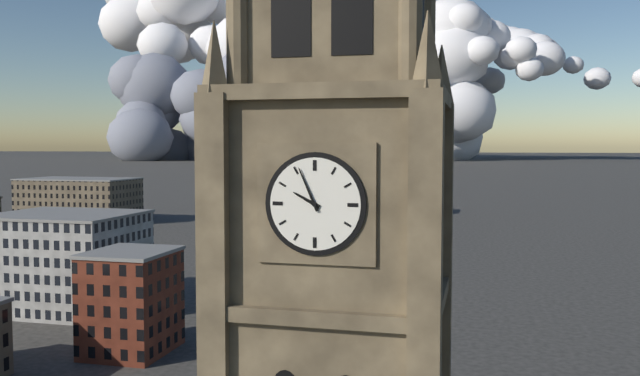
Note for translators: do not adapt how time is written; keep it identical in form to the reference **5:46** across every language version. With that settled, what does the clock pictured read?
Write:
**9:56**
